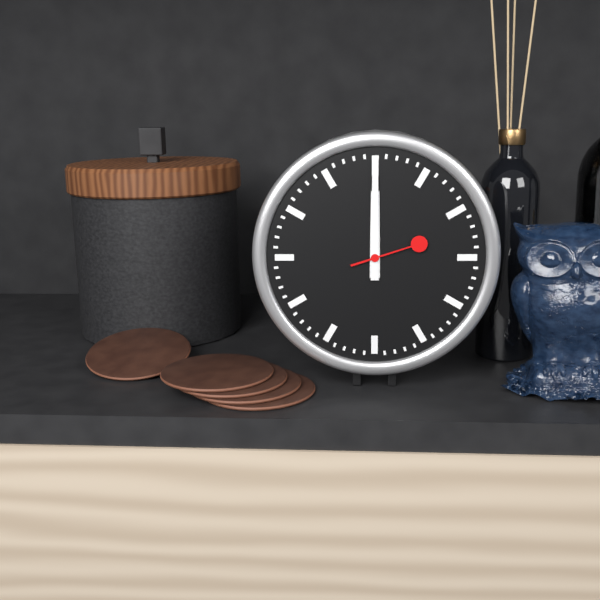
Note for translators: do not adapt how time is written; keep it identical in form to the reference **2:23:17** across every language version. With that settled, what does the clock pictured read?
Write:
**12:00:12**
